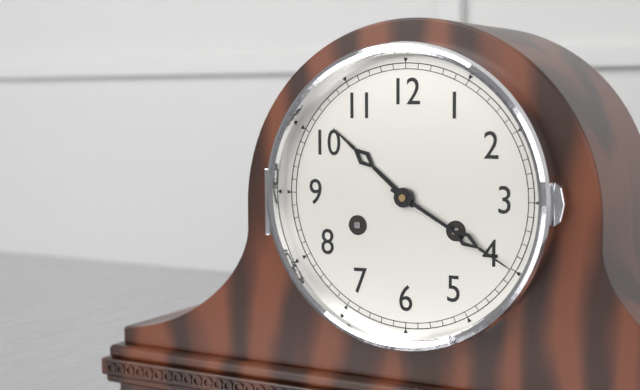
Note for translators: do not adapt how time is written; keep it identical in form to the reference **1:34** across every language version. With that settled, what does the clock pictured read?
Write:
**10:20**
